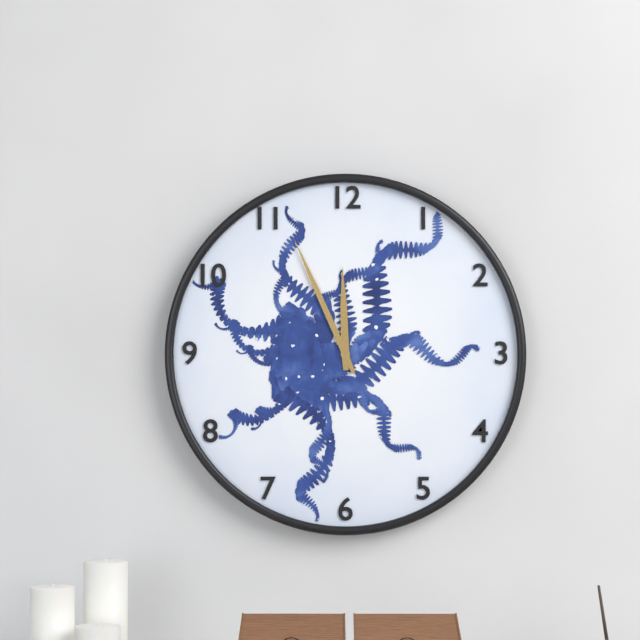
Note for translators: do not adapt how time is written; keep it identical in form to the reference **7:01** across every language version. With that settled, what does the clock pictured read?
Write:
**11:56**
